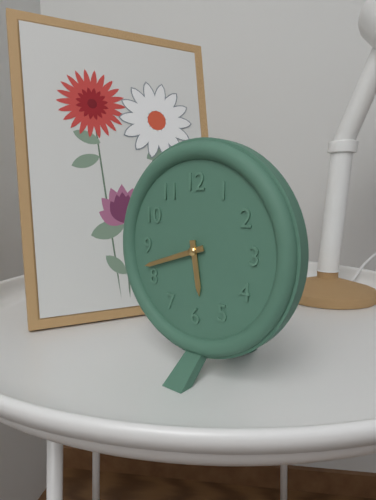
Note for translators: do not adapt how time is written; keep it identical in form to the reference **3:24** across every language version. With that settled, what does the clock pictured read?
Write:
**5:42**
